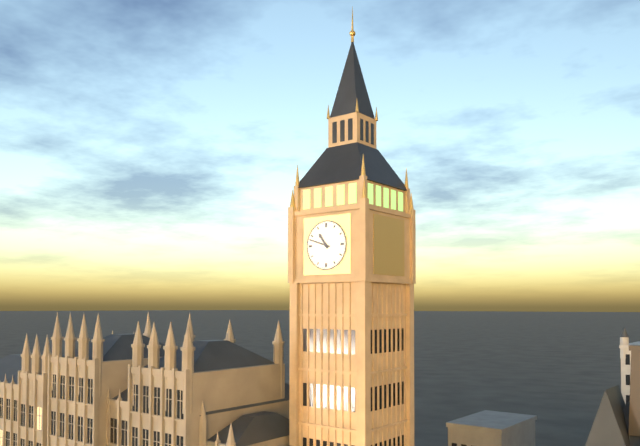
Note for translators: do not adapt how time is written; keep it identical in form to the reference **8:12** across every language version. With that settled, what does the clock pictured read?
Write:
**10:48**
